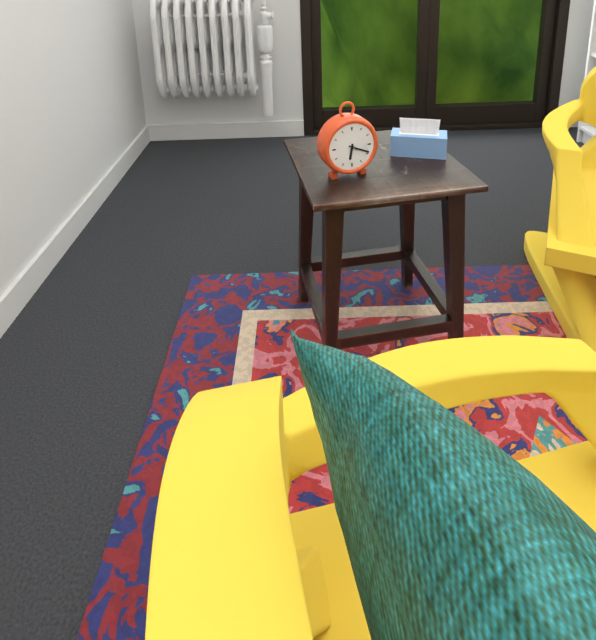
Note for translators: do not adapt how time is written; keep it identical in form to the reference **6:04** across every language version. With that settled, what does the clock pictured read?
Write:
**6:19**
